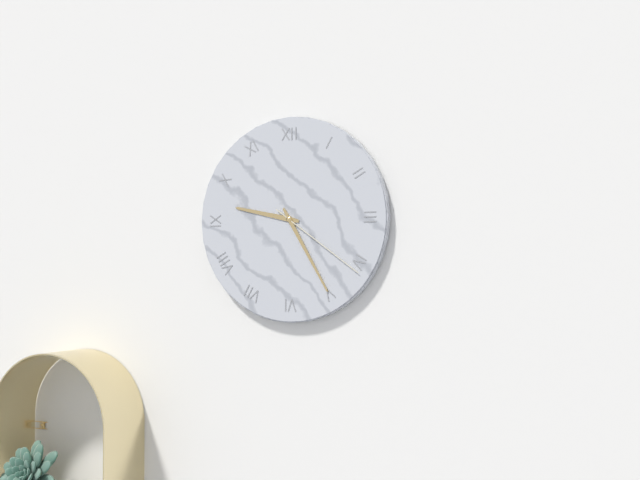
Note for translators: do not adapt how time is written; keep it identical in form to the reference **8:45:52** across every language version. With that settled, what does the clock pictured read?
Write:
**9:25:21**
